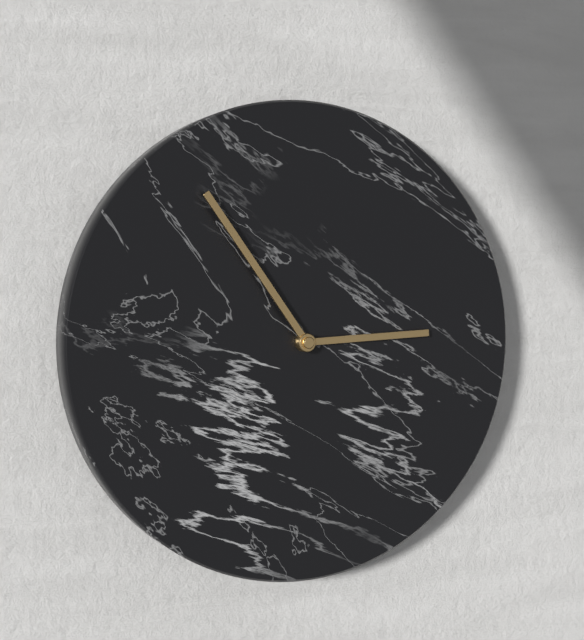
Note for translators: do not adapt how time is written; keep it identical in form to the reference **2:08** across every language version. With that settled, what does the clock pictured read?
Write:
**2:54**
